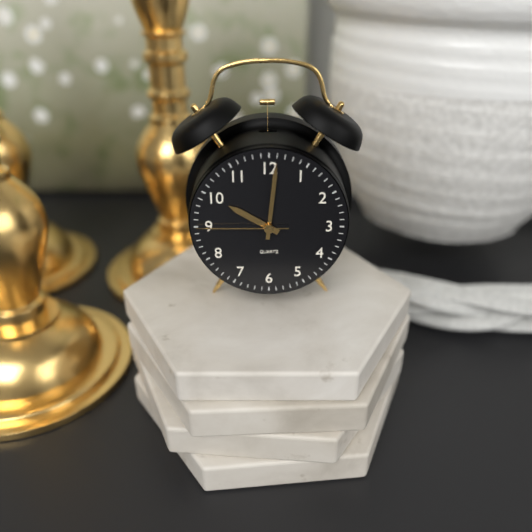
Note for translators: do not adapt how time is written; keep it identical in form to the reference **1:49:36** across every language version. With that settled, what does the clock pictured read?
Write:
**10:01:45**
